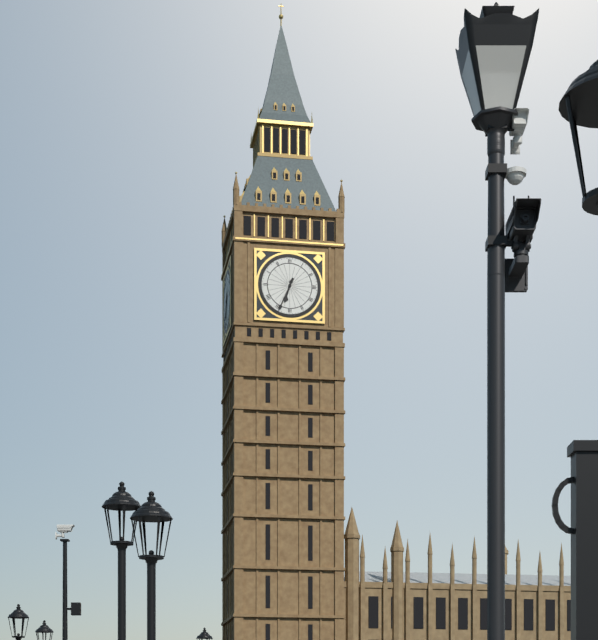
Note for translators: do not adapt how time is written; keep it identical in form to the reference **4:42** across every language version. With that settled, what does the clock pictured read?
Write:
**6:34**
